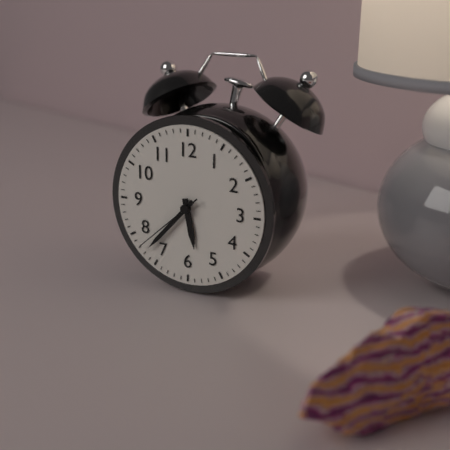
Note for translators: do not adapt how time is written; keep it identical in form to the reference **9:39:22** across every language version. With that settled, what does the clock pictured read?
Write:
**5:37:38**
